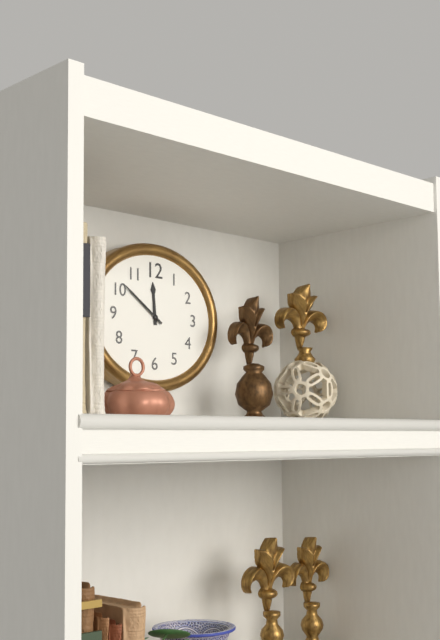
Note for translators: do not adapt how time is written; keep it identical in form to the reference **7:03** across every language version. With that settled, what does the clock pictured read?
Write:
**11:51**
